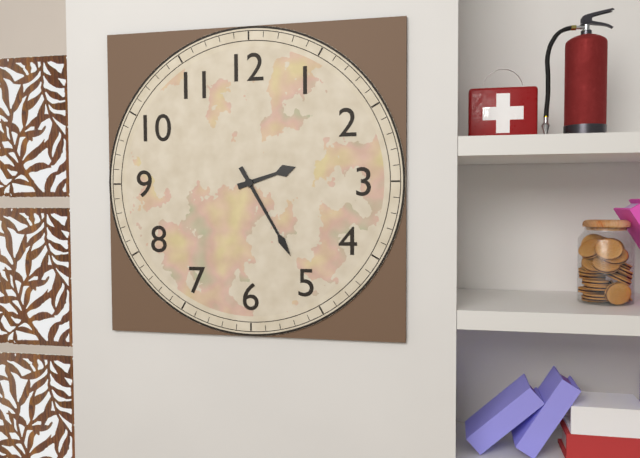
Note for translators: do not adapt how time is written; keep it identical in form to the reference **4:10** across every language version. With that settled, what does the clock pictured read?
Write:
**2:25**
